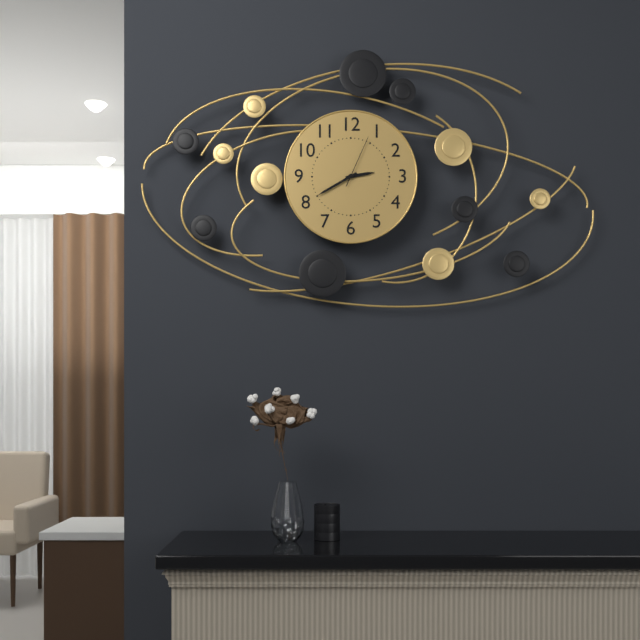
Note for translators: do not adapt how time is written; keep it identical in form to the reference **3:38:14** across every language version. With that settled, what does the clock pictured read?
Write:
**2:40:04**
